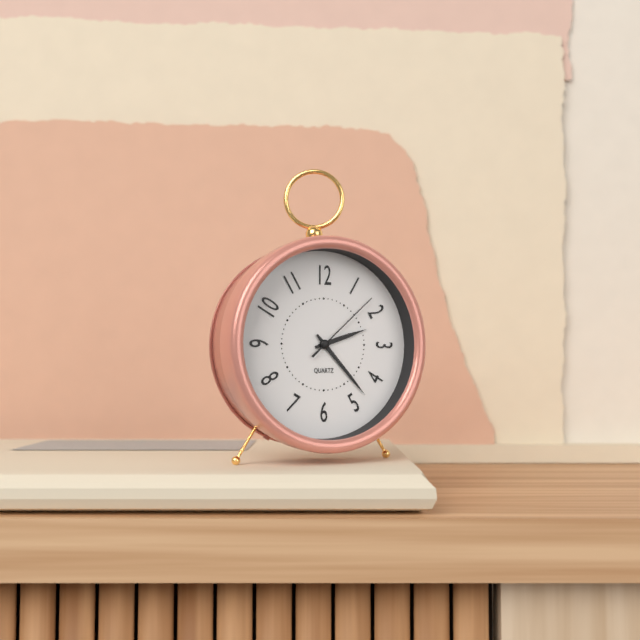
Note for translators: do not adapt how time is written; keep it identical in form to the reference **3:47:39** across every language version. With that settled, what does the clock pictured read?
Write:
**2:23:08**
